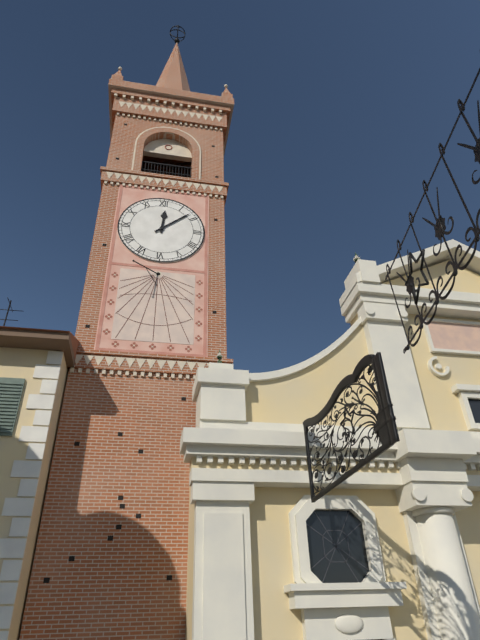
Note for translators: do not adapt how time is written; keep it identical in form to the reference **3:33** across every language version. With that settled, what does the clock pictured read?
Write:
**12:08**
